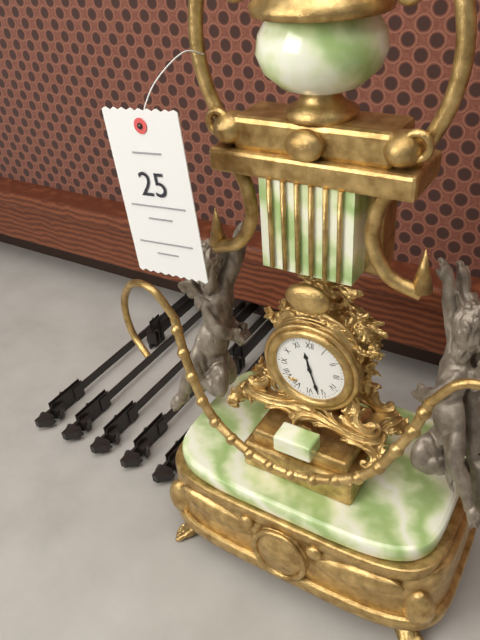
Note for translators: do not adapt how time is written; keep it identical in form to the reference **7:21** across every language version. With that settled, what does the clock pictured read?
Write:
**11:27**
